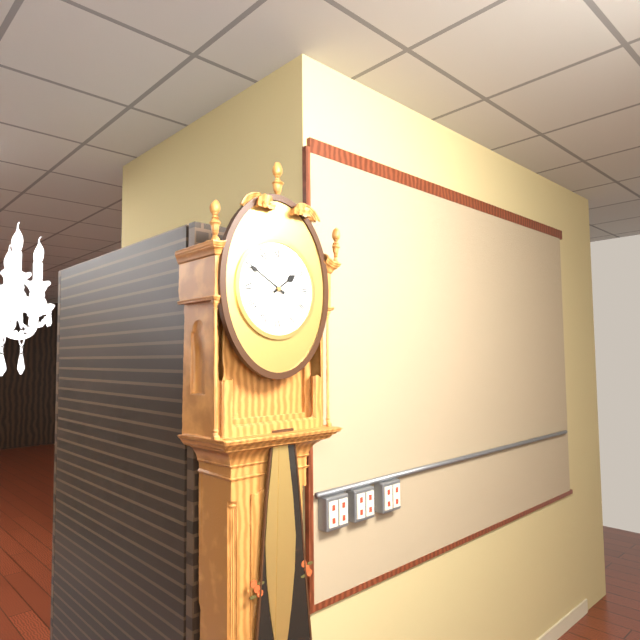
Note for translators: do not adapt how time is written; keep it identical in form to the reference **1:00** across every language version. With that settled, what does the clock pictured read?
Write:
**1:50**
